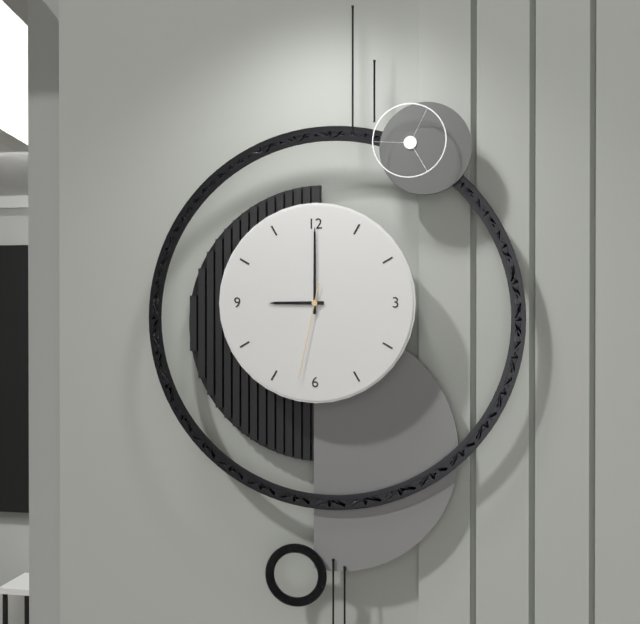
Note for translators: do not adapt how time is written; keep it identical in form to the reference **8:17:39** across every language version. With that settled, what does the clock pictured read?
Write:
**9:00:32**
